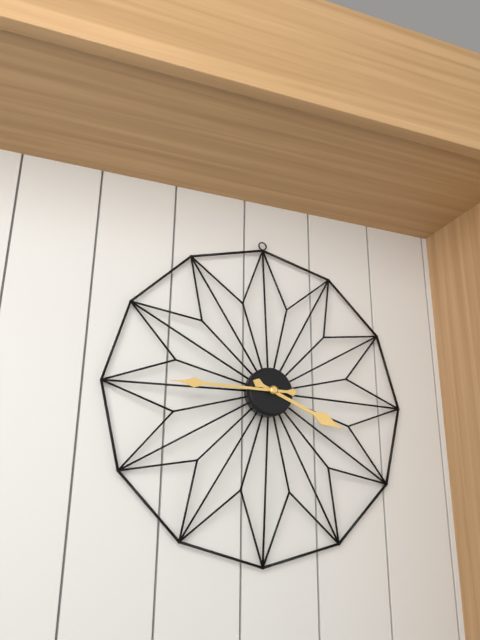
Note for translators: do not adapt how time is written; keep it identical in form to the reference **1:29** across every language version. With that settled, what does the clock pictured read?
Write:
**3:45**
